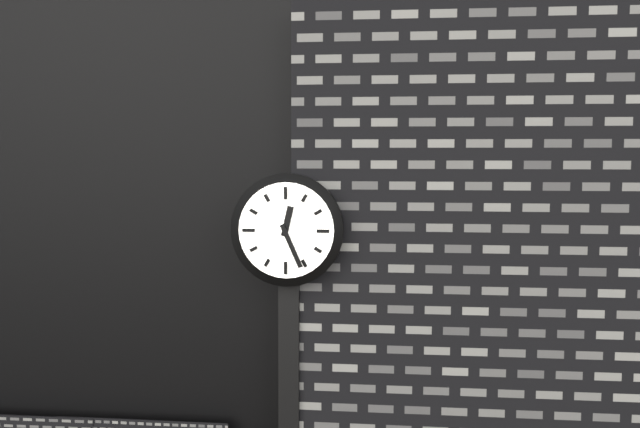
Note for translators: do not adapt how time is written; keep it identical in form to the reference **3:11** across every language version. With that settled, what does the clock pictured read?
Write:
**12:26**
